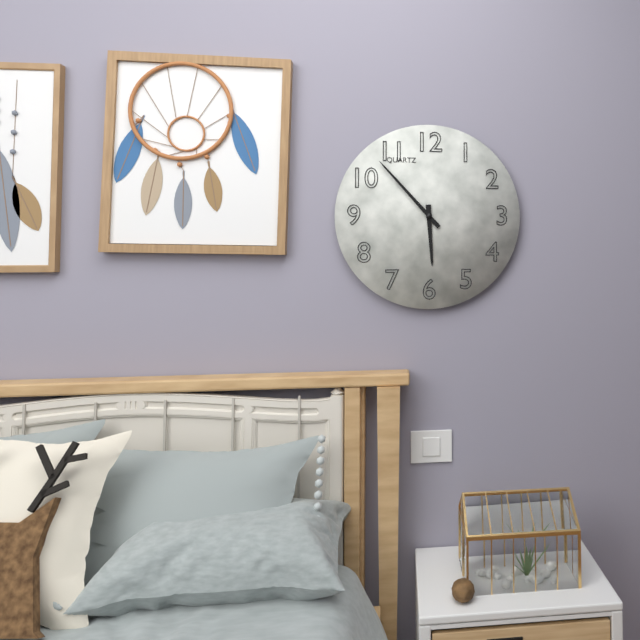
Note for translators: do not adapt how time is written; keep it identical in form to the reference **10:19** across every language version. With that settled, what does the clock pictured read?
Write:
**5:53**
